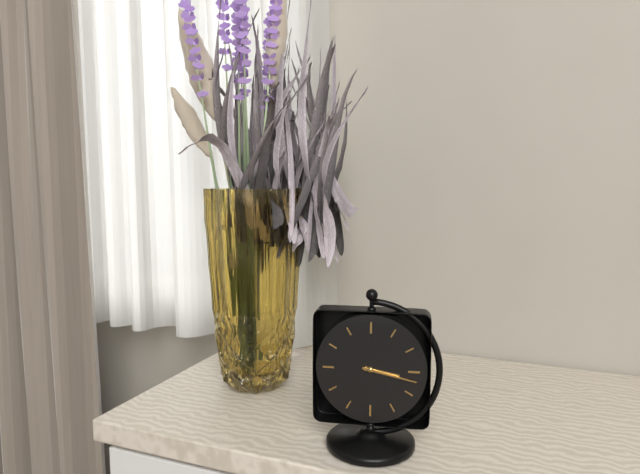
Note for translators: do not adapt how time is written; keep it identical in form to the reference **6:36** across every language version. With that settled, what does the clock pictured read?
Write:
**3:17**
